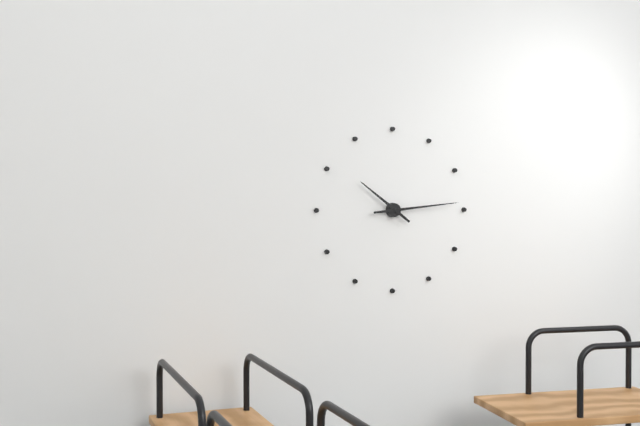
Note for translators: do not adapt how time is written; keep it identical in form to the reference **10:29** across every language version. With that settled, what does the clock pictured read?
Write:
**10:14**
